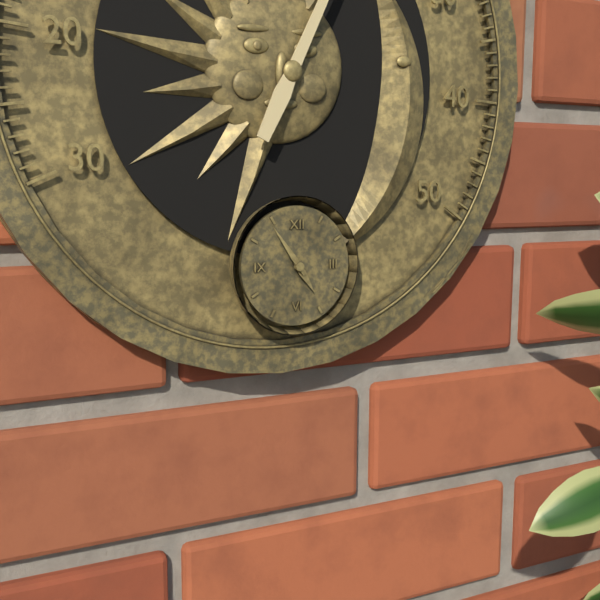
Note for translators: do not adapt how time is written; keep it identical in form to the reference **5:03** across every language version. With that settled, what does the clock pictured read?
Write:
**4:54**
